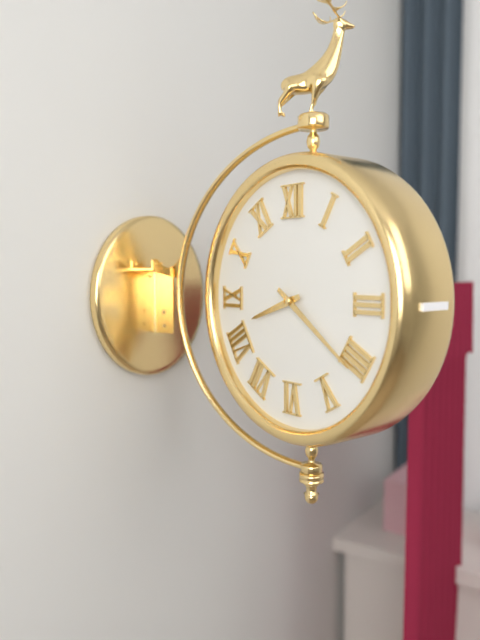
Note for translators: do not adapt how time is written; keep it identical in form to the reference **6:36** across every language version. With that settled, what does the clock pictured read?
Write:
**8:21**
